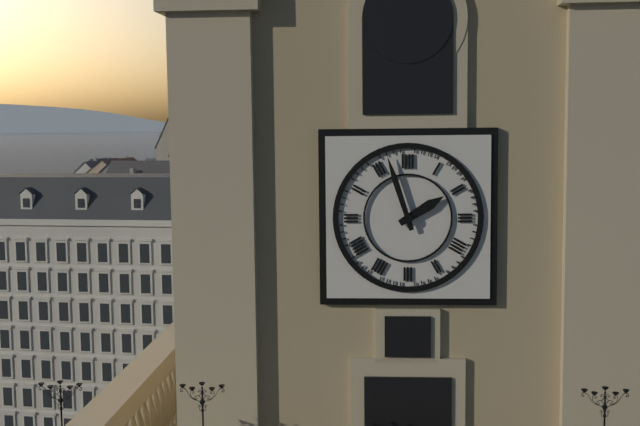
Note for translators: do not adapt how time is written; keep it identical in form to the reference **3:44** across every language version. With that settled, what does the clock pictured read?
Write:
**1:57**
